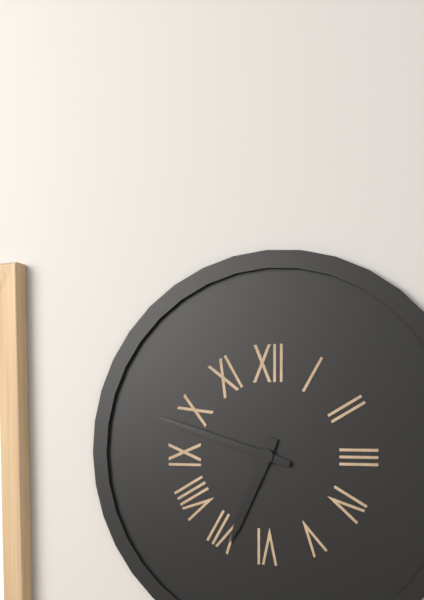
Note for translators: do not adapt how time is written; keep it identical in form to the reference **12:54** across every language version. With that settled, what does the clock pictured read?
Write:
**6:48**
